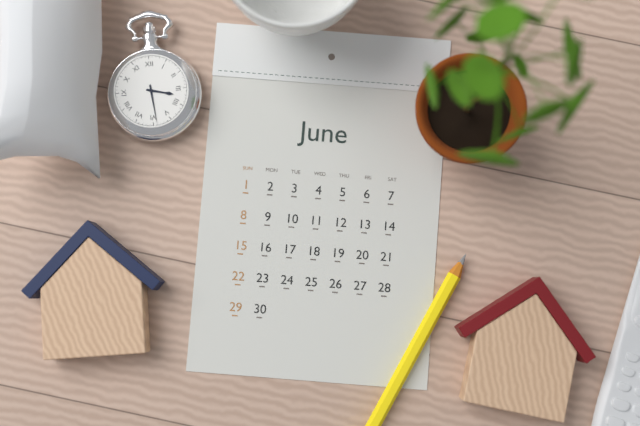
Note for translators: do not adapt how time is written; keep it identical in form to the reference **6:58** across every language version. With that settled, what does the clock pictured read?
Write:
**3:29**
